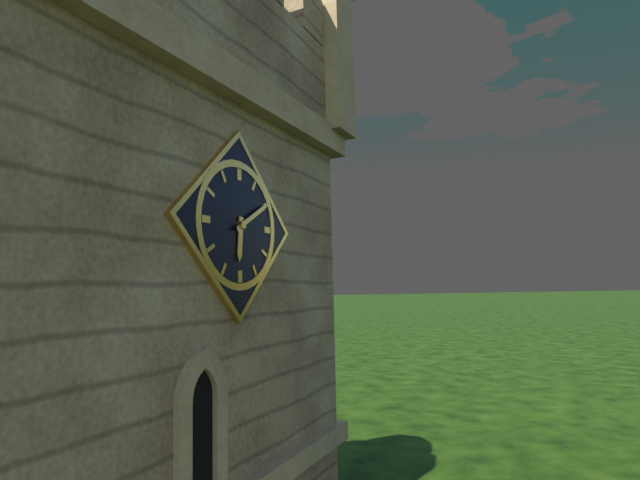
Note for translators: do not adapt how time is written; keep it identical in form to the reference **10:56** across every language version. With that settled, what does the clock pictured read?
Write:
**6:10**
